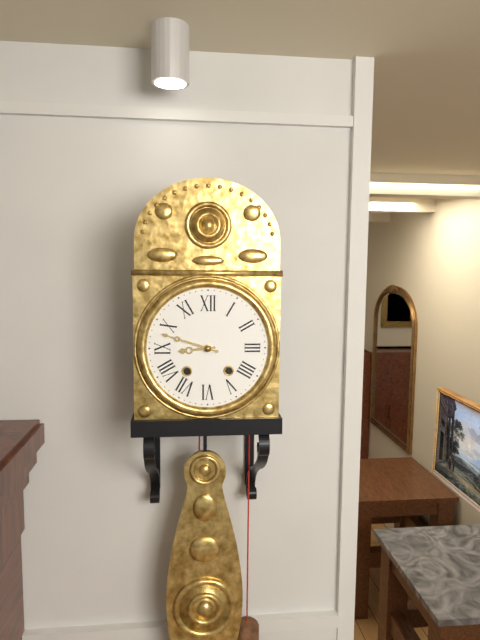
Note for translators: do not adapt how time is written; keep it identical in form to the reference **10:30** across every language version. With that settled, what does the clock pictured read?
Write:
**8:48**
